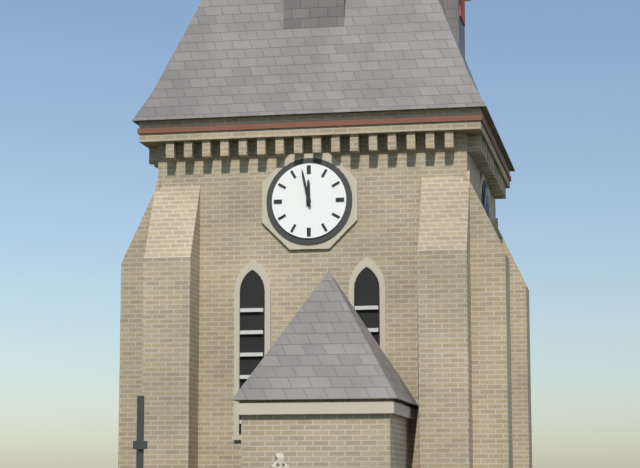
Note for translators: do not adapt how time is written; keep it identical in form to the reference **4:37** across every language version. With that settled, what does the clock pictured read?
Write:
**11:58**
